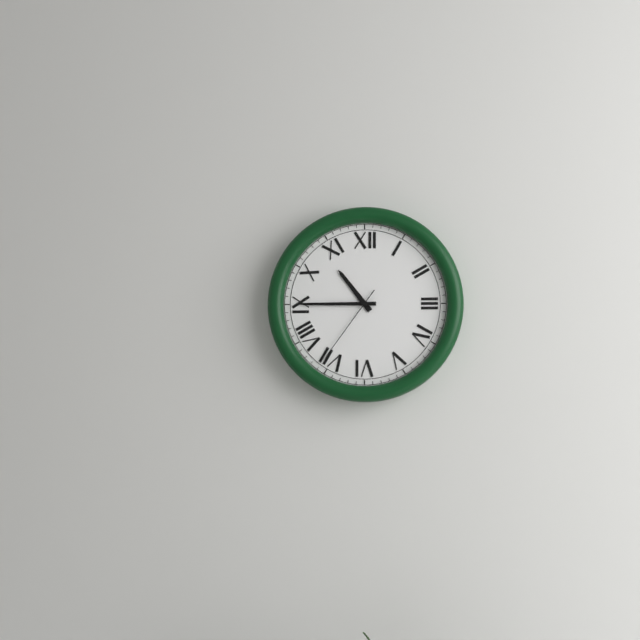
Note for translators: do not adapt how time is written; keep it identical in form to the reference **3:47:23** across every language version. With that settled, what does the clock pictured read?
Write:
**10:45:36**
